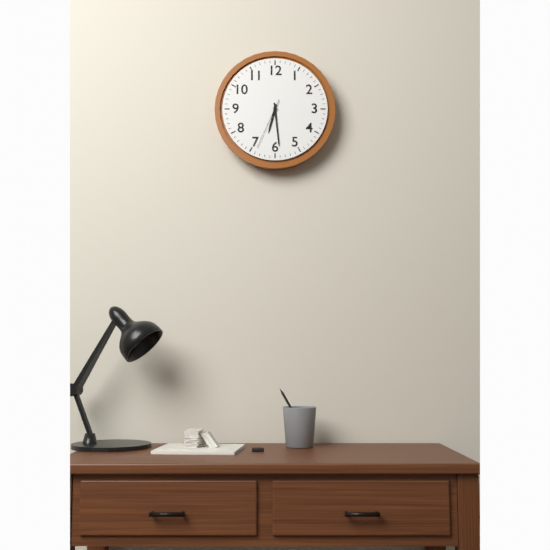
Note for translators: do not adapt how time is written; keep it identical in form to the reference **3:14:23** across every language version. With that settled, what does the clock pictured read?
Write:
**6:29:34**
